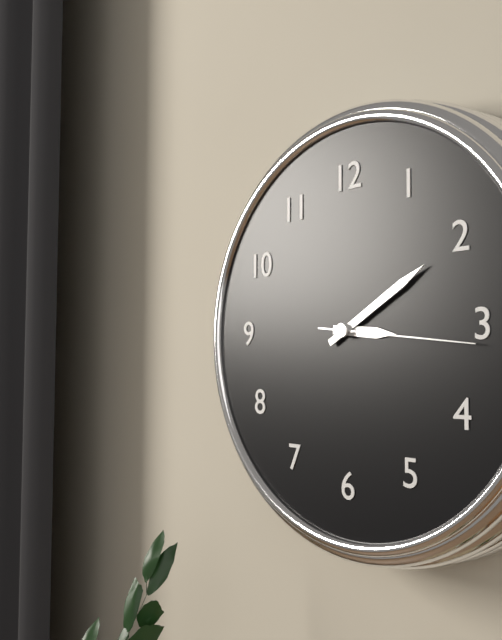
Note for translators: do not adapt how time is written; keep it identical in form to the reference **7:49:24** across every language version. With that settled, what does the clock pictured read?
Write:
**3:10:16**
